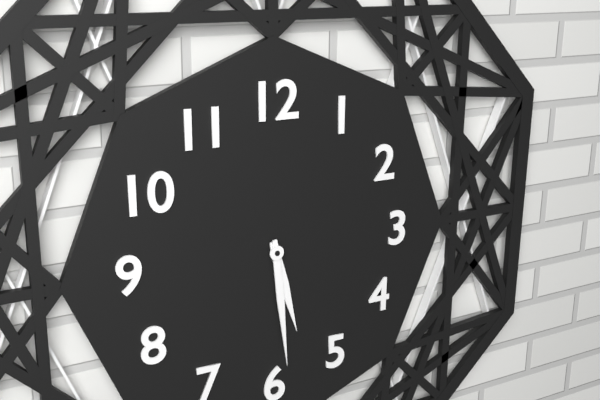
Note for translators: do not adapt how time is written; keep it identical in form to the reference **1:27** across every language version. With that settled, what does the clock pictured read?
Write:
**5:29**
